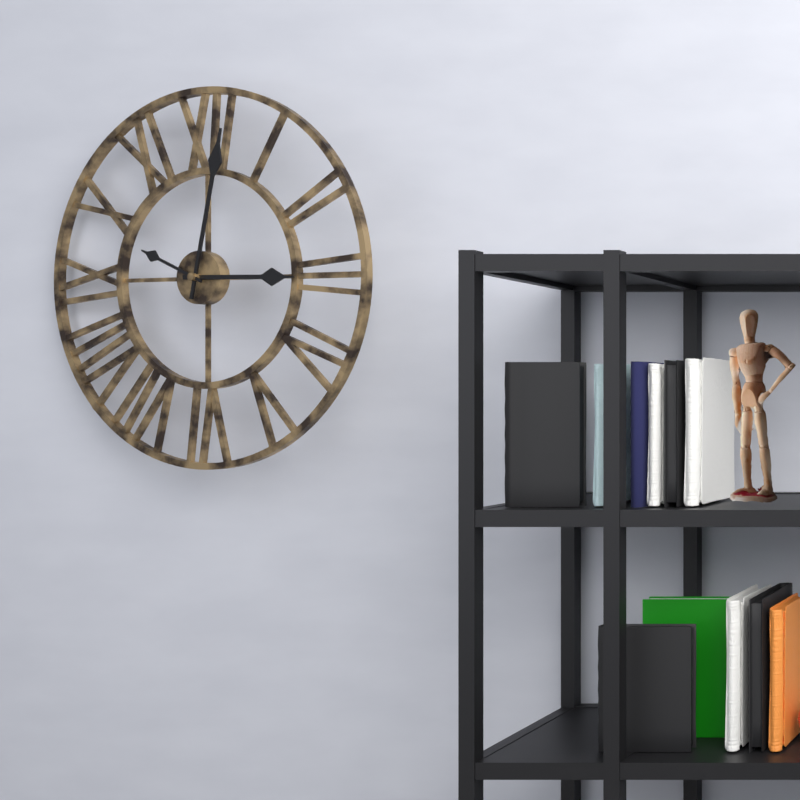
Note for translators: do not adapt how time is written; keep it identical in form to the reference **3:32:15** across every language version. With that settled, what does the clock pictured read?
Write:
**3:02:49**
